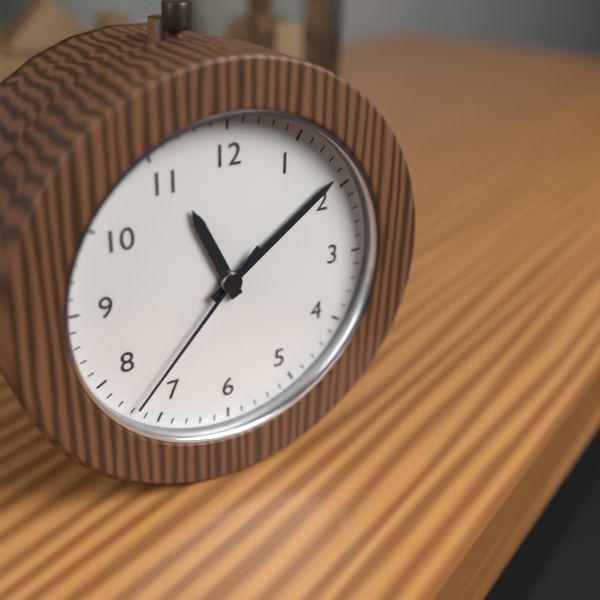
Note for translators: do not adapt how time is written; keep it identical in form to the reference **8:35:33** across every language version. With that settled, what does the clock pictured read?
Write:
**11:09:37**
